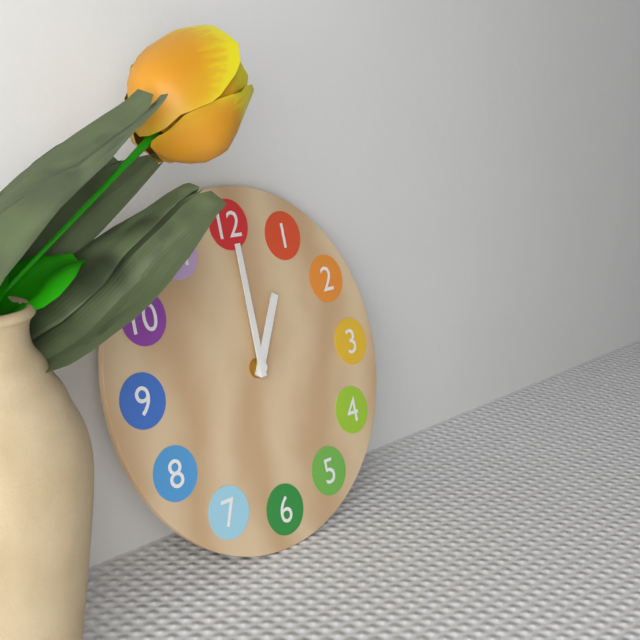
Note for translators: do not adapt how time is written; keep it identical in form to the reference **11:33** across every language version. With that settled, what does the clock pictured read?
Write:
**1:00**
